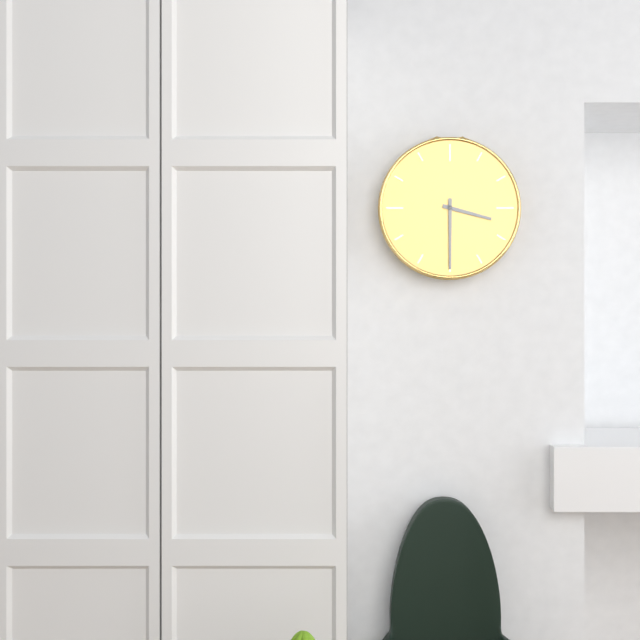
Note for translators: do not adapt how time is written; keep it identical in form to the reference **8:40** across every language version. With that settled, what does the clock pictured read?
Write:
**3:30**
